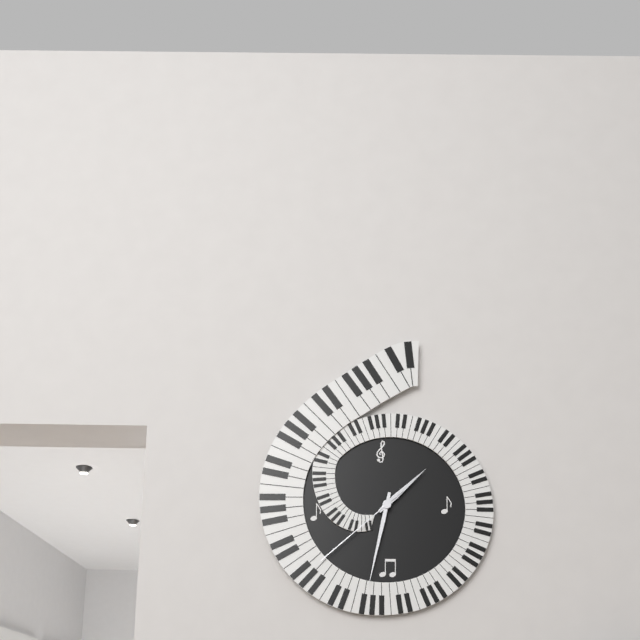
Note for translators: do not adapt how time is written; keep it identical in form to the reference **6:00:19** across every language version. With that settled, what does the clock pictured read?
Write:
**1:32:38**
